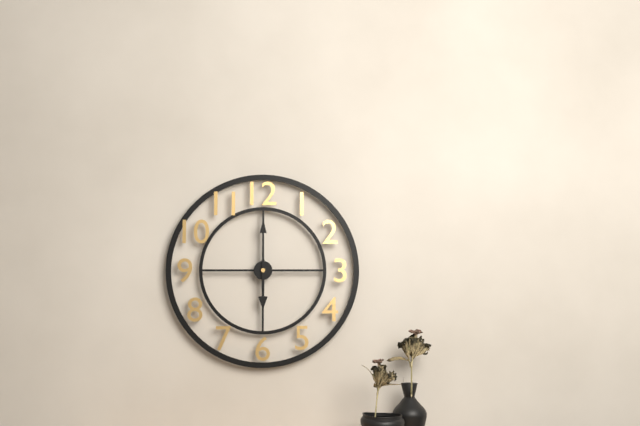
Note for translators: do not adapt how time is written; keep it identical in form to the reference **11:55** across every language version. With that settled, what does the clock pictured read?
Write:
**6:00**
